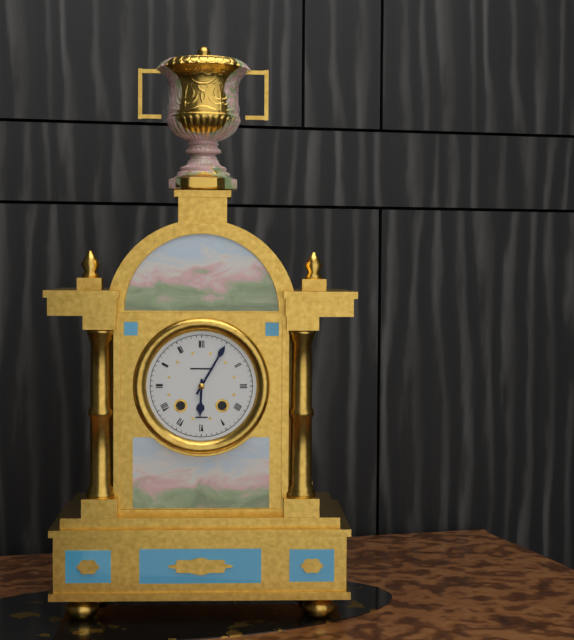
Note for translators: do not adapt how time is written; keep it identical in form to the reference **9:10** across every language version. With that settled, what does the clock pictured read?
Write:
**6:05**
